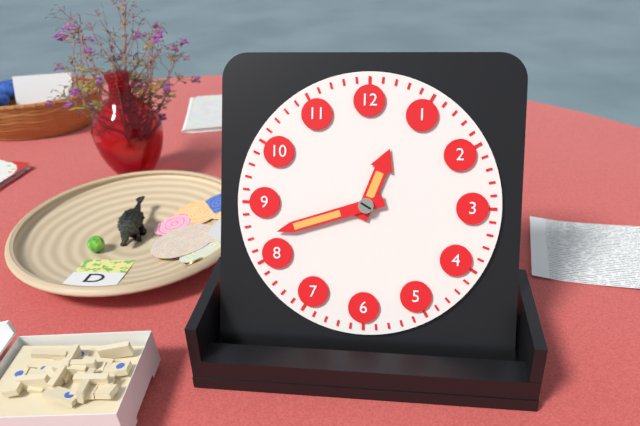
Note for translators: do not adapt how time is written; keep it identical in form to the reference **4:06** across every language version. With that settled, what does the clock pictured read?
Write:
**12:42**
